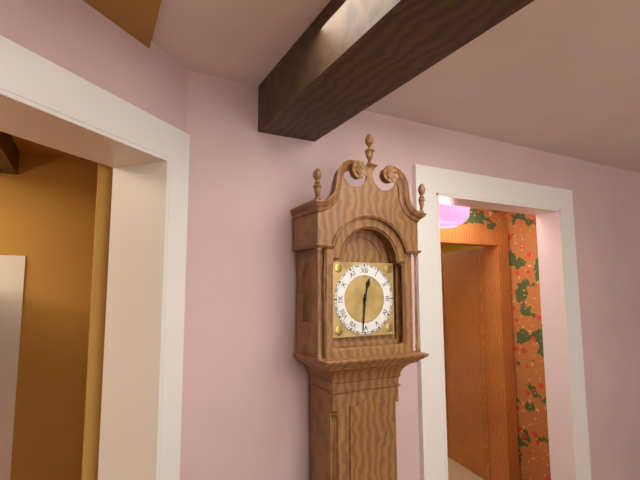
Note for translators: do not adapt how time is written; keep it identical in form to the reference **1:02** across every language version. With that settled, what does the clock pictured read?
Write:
**12:31**
